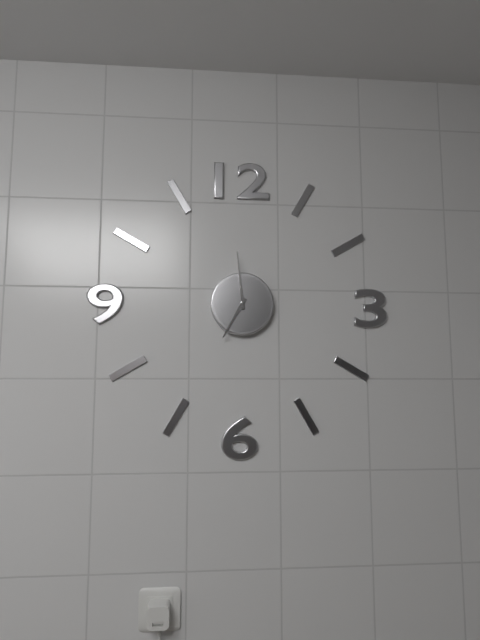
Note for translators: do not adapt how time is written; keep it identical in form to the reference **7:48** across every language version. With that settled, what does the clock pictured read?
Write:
**6:59**
